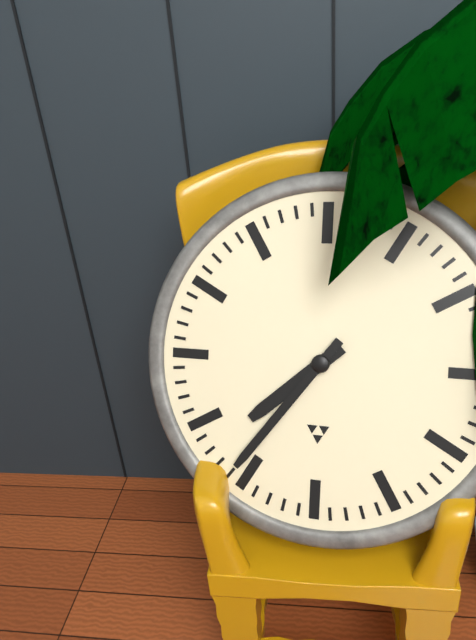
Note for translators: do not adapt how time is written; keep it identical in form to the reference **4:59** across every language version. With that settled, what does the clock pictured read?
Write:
**7:36**
